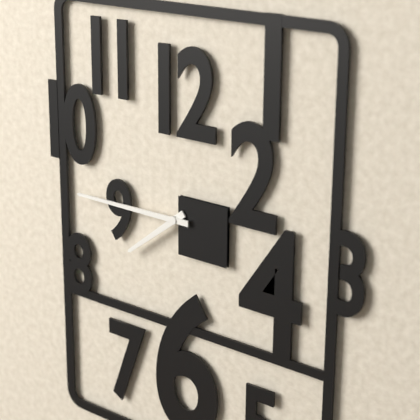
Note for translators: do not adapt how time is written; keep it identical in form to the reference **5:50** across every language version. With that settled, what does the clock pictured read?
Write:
**7:45**
